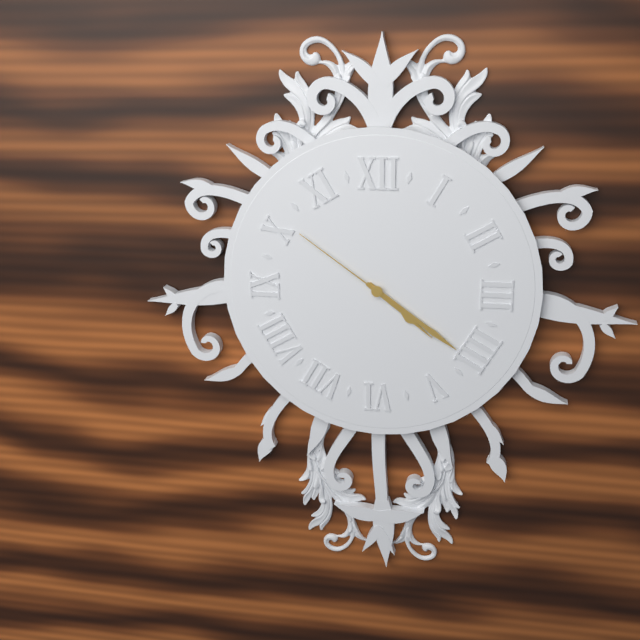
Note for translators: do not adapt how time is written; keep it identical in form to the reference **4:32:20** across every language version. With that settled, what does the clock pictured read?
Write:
**4:21:51**
